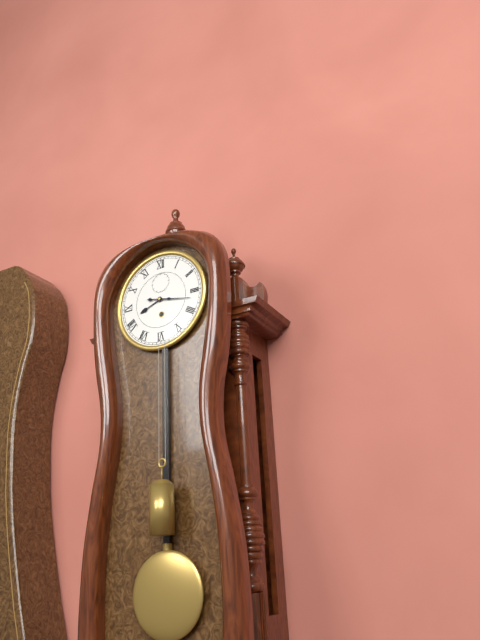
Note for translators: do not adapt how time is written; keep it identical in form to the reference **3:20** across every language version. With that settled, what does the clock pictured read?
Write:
**8:17**
